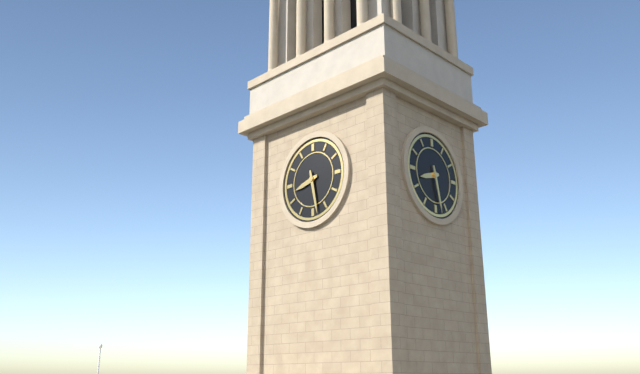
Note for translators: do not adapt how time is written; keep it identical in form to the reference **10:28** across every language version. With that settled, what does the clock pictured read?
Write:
**8:28**
